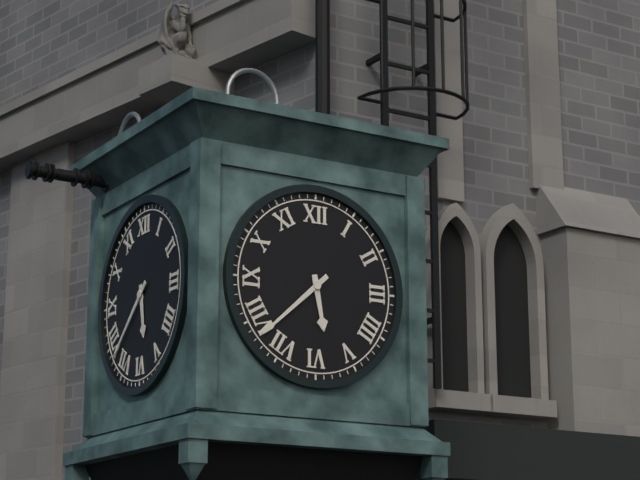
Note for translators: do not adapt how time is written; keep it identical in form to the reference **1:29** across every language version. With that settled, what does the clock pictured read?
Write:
**5:38**
